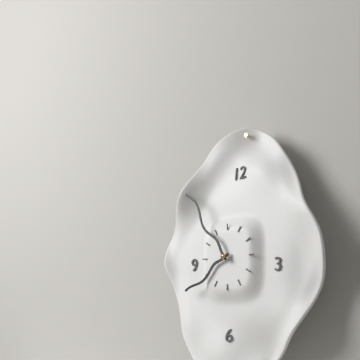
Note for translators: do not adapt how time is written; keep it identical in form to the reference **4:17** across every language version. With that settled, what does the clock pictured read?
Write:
**7:54**
